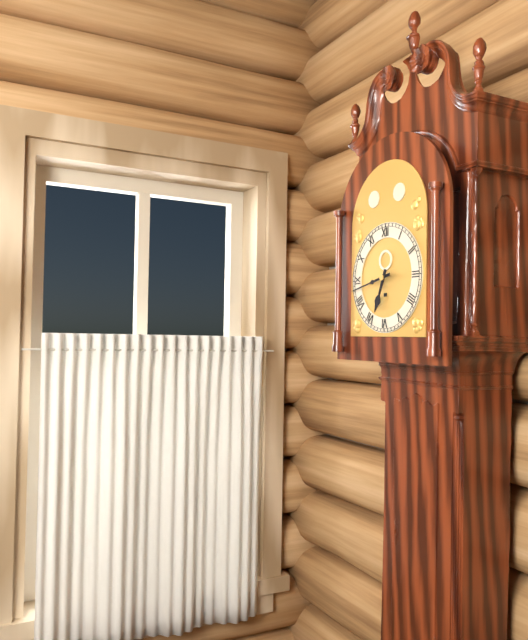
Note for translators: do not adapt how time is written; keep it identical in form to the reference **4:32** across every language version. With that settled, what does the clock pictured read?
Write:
**6:43**
